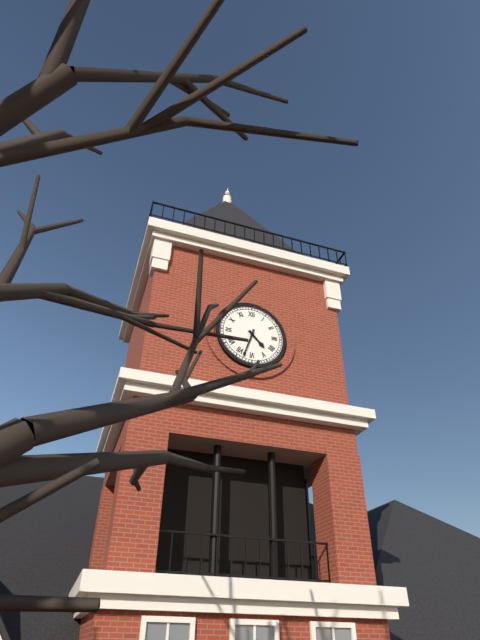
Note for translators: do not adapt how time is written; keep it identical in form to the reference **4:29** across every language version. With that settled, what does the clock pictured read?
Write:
**4:33**
